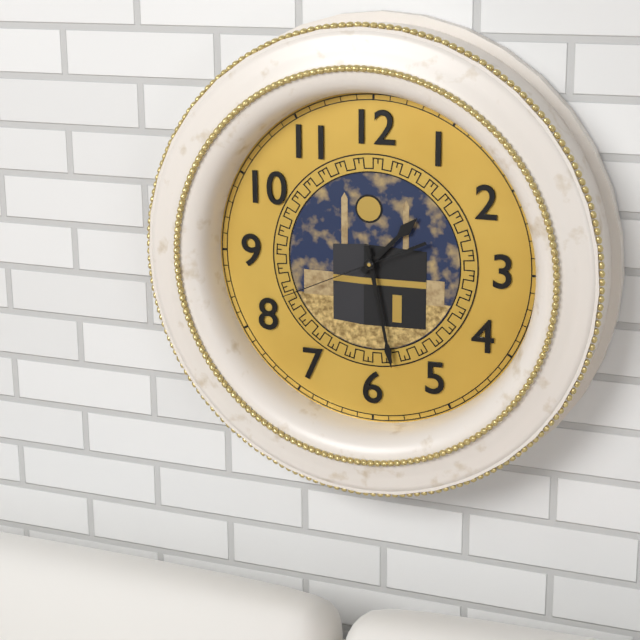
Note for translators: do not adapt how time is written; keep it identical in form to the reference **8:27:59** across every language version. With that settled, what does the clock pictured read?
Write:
**1:28:41**
